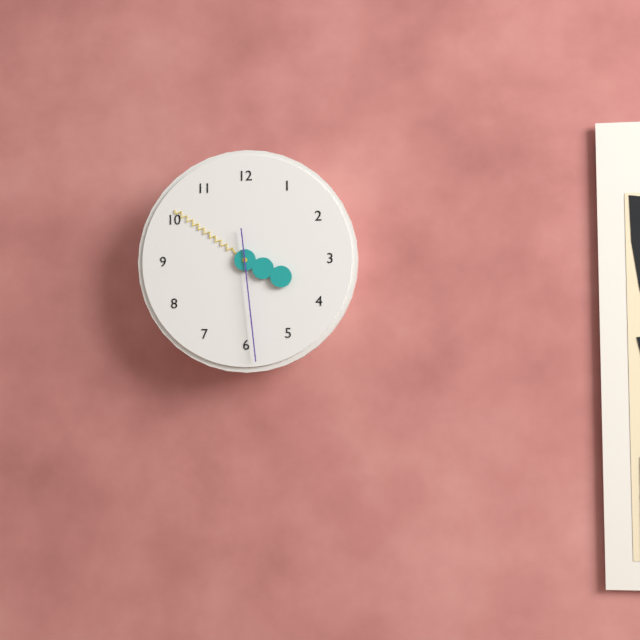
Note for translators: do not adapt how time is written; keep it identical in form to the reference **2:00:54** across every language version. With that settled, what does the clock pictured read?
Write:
**3:51:29**
